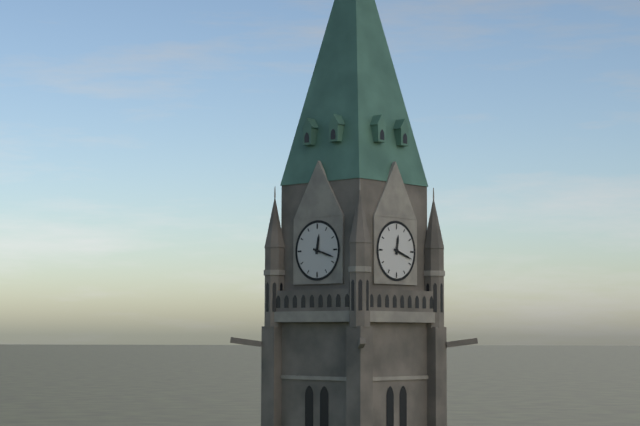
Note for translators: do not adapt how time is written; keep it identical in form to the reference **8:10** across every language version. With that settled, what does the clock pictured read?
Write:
**12:18**
